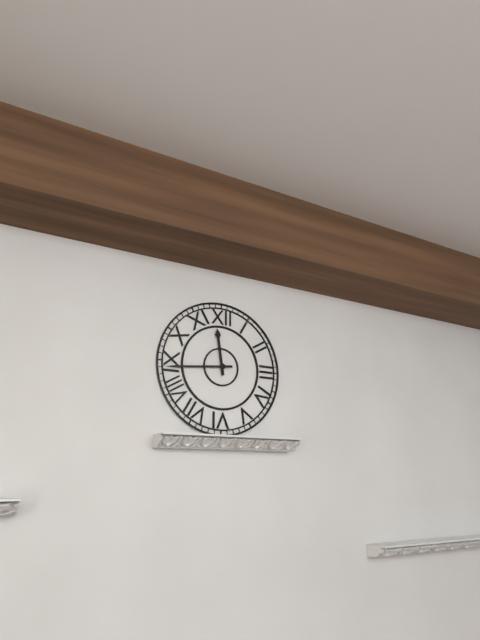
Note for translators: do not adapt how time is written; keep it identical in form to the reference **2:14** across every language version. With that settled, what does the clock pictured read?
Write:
**11:44**
